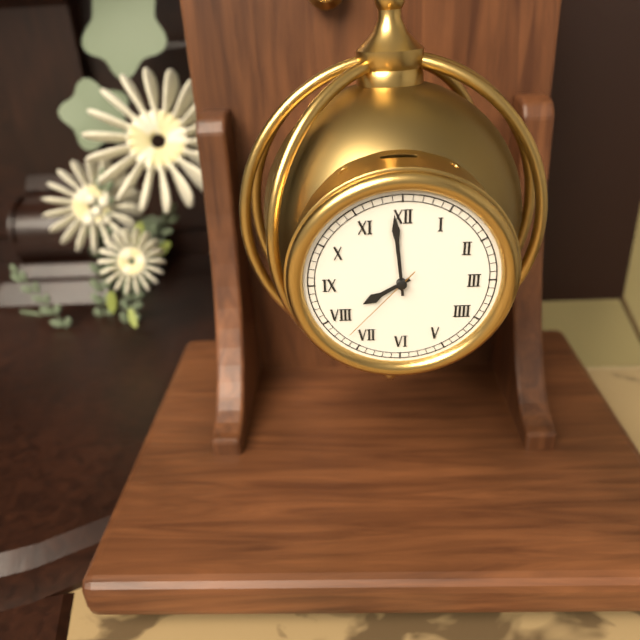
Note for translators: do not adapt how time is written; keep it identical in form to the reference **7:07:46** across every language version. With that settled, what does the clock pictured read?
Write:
**7:59:37**
